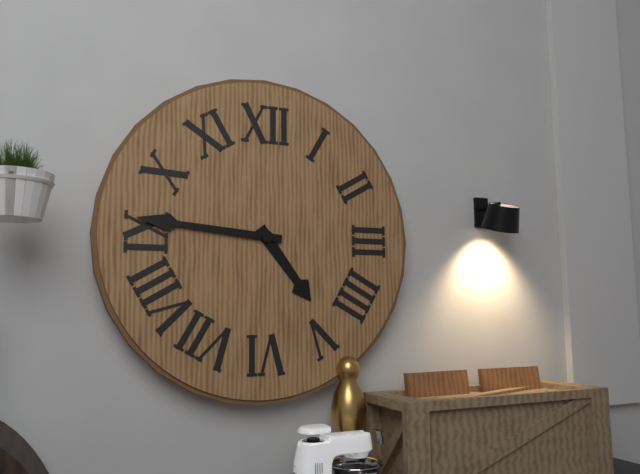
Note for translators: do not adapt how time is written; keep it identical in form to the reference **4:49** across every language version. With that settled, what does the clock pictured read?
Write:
**4:46**
